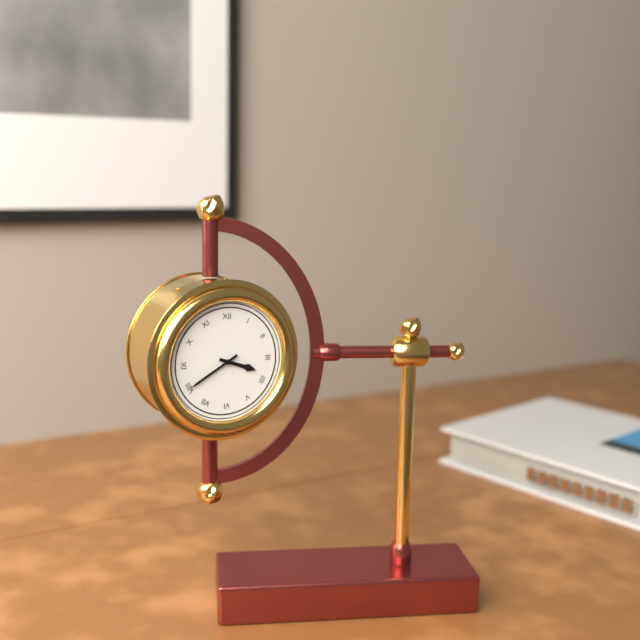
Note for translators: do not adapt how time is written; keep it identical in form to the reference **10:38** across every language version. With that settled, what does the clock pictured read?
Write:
**3:40**
